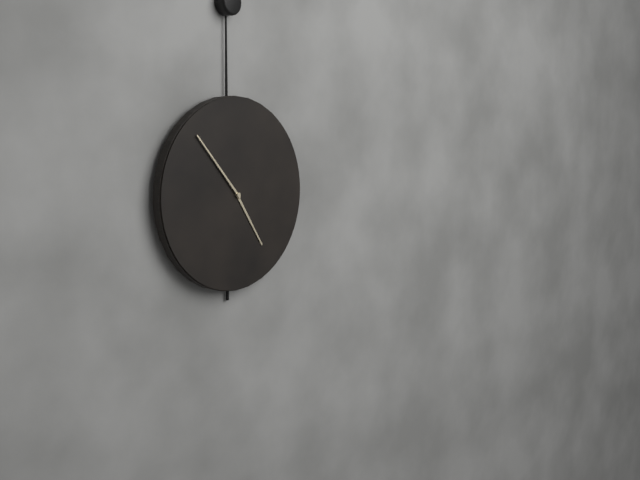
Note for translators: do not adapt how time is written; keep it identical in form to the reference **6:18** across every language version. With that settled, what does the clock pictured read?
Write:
**4:53**
